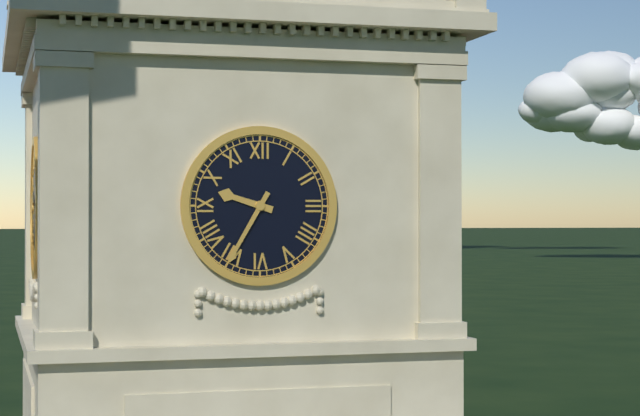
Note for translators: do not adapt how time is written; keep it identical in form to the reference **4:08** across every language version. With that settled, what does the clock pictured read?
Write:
**9:35**
